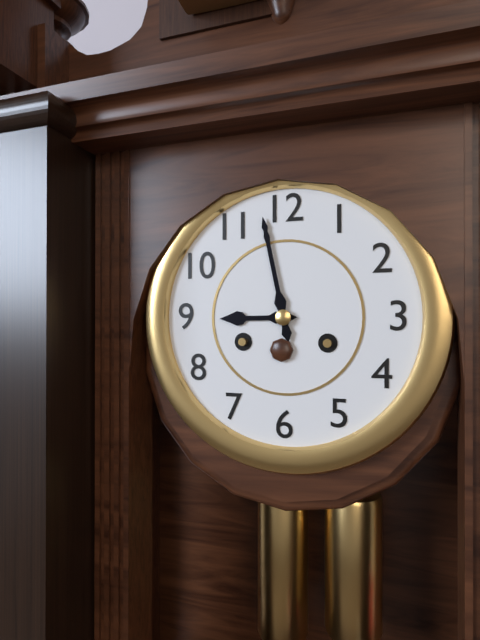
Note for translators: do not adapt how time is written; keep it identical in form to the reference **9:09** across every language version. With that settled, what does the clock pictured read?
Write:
**8:58**
